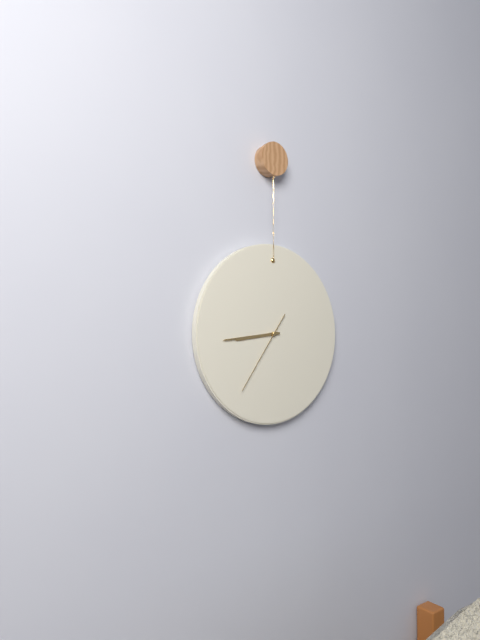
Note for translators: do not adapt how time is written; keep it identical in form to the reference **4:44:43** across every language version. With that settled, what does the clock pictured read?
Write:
**8:44:36**
